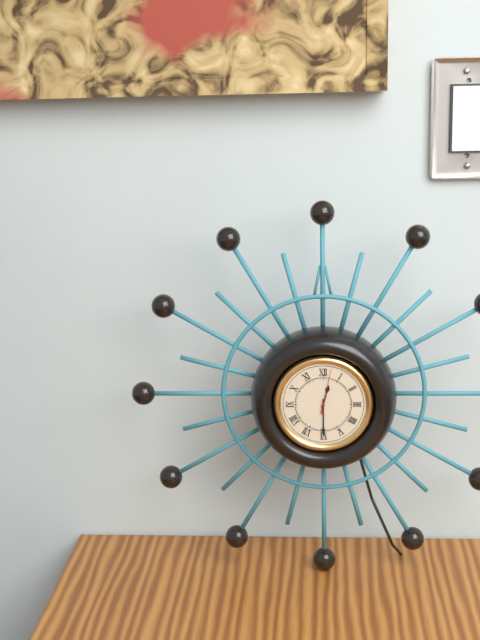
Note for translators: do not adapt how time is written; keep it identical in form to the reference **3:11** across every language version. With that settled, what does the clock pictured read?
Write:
**12:30**
